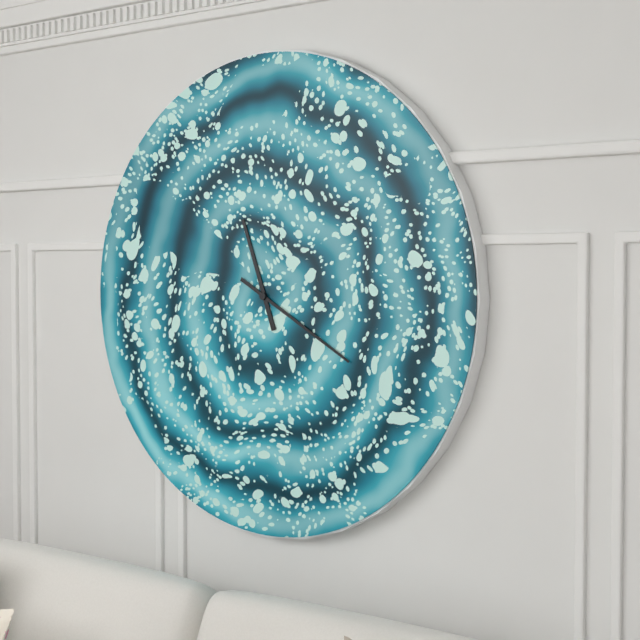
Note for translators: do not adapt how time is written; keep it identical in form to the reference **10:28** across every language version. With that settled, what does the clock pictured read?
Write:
**11:20**
